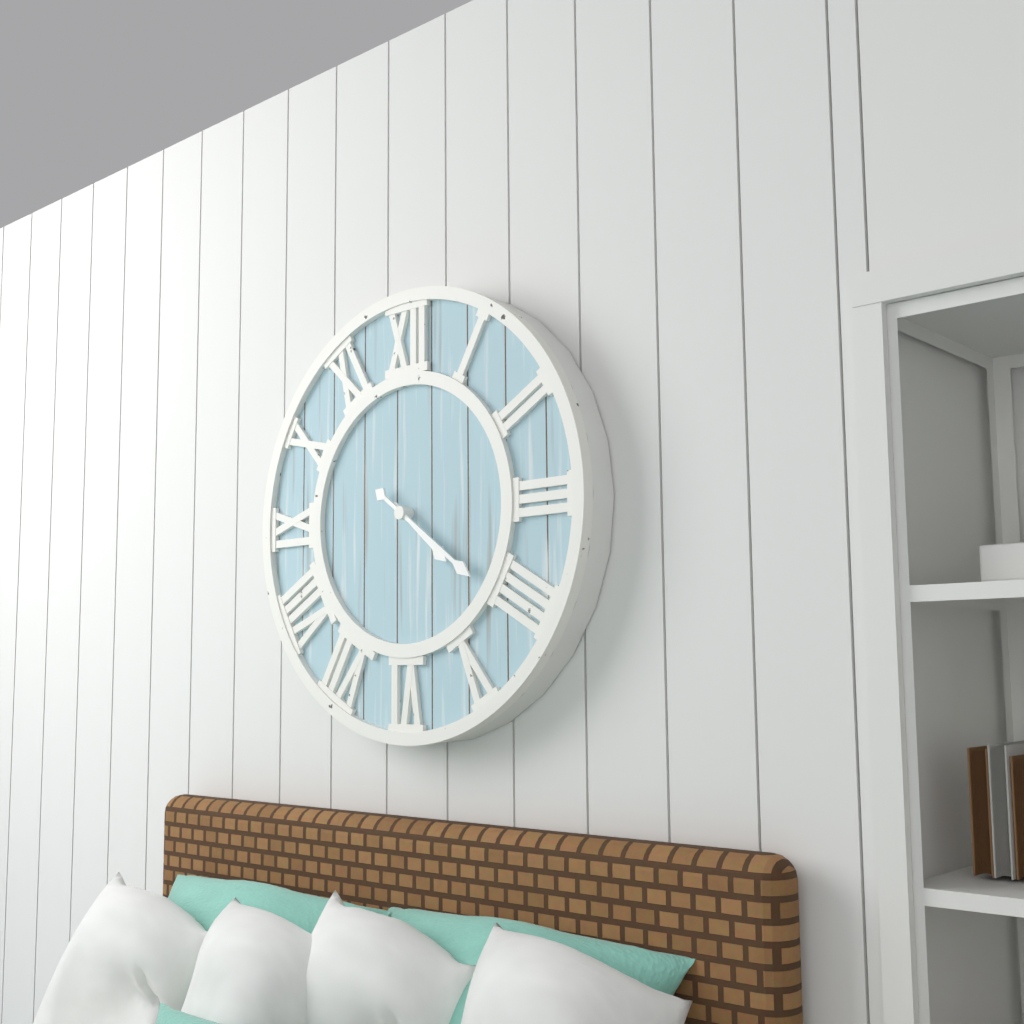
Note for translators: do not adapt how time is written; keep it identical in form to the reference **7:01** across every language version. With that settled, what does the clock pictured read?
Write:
**4:21**
